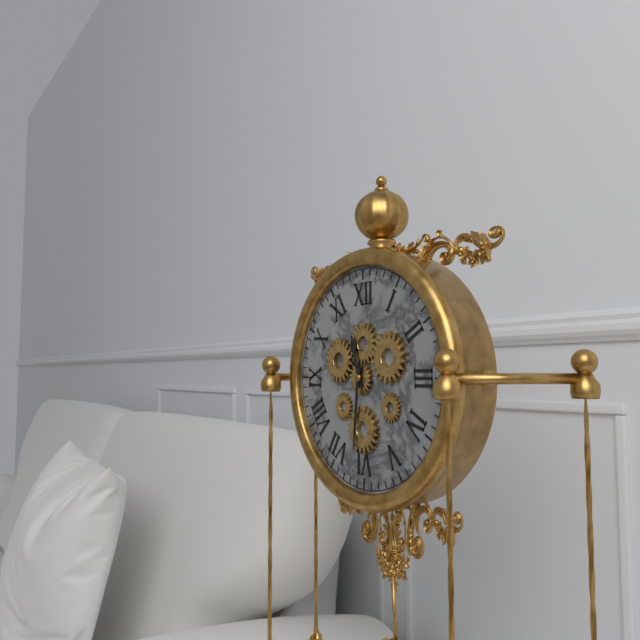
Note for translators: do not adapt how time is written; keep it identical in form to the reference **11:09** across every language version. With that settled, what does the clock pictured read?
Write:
**11:31**
